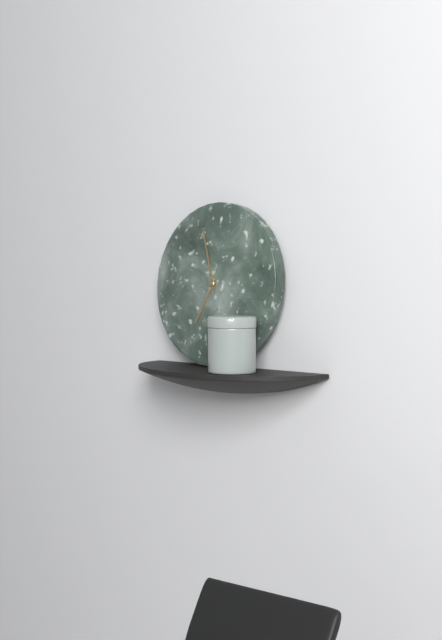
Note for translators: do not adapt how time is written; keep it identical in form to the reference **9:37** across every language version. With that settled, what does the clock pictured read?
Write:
**6:57**
